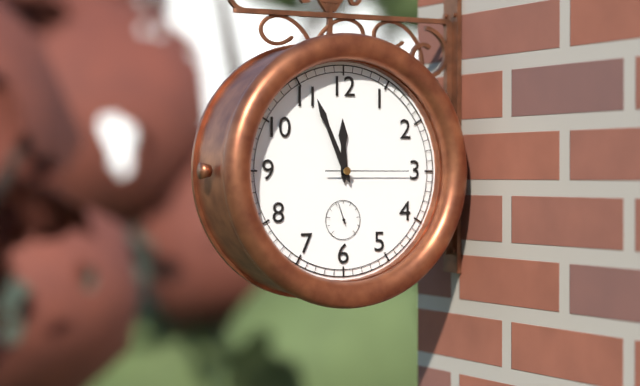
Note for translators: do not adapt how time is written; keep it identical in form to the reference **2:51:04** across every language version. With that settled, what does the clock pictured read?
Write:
**11:56:15**
